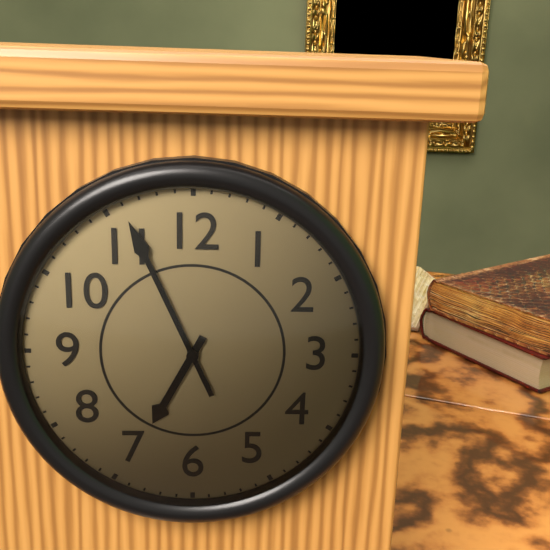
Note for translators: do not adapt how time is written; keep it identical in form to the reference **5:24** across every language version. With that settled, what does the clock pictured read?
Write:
**6:56**
